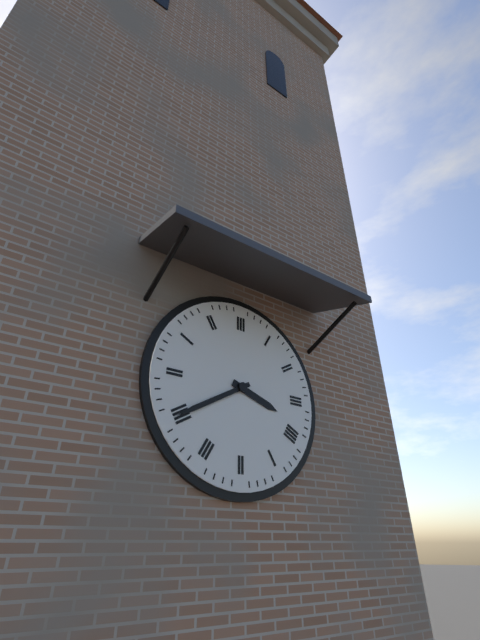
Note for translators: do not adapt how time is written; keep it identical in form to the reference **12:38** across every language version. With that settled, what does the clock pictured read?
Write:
**3:40**
